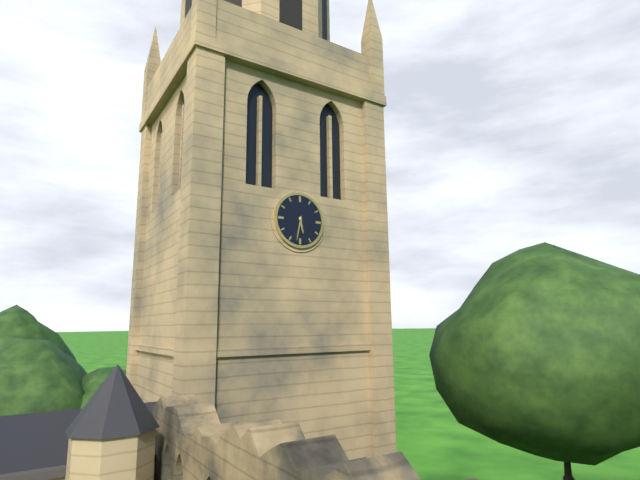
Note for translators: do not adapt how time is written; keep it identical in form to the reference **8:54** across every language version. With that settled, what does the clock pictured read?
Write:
**5:32**
